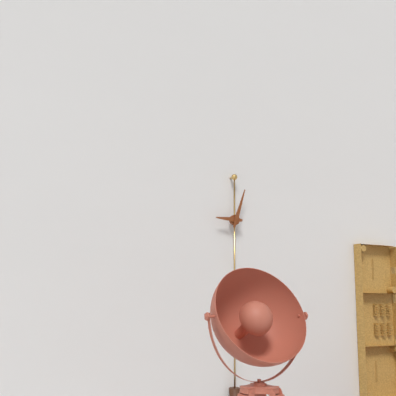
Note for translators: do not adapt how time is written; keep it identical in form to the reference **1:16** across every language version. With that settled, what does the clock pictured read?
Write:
**9:03**
